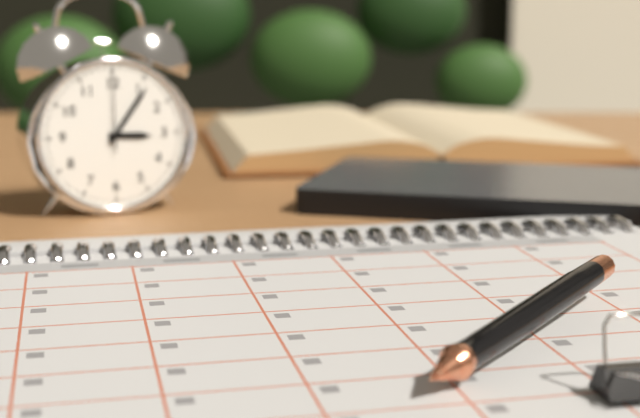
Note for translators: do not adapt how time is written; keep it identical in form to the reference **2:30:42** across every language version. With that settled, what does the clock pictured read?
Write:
**3:06:00**
